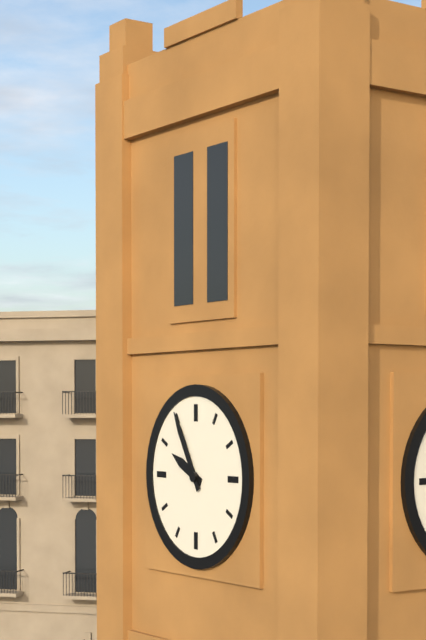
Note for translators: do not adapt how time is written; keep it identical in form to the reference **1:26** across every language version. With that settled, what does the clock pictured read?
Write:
**9:55**
